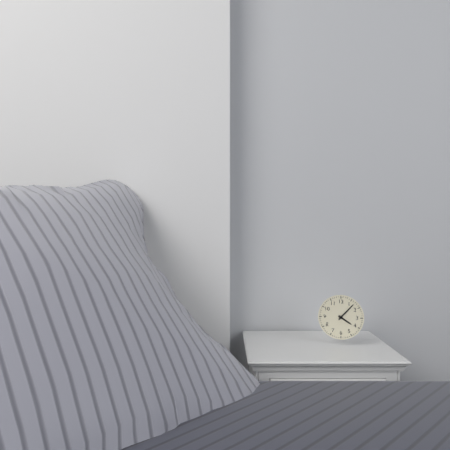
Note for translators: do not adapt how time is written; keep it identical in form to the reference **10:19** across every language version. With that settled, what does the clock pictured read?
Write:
**4:07**
